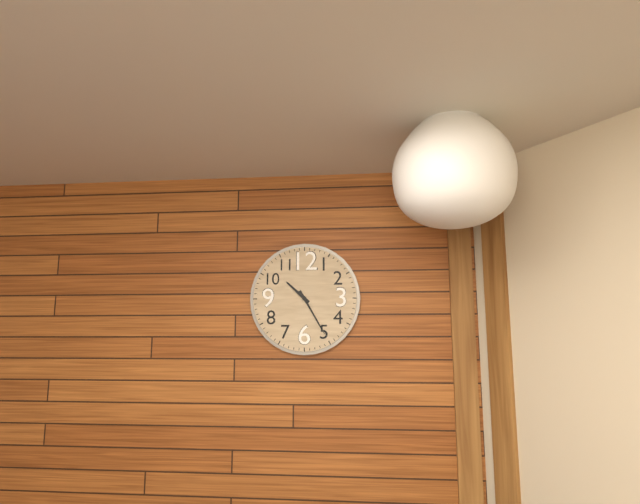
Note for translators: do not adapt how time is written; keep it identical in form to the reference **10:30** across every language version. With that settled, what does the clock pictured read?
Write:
**10:25**
